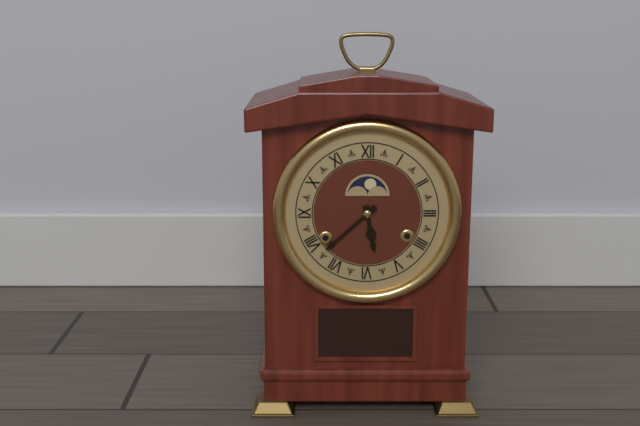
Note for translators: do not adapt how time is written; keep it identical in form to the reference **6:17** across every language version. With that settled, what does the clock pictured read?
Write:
**5:38**
